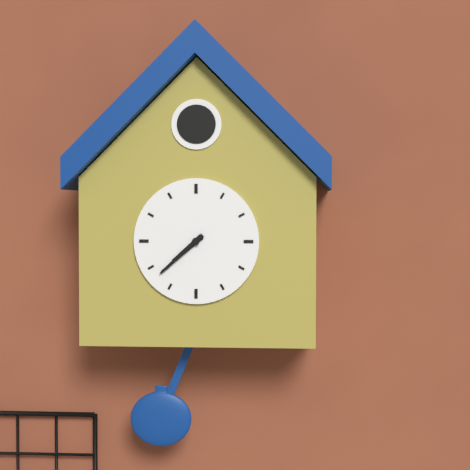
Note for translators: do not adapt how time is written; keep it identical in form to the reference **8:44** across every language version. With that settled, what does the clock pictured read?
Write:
**7:38**
